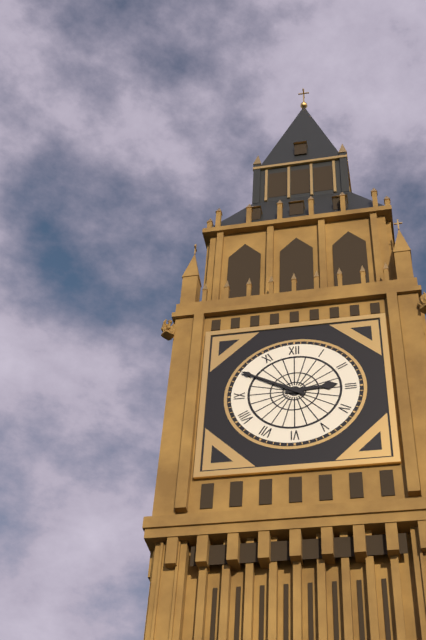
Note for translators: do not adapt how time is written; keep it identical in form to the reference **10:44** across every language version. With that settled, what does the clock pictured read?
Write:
**2:50**
